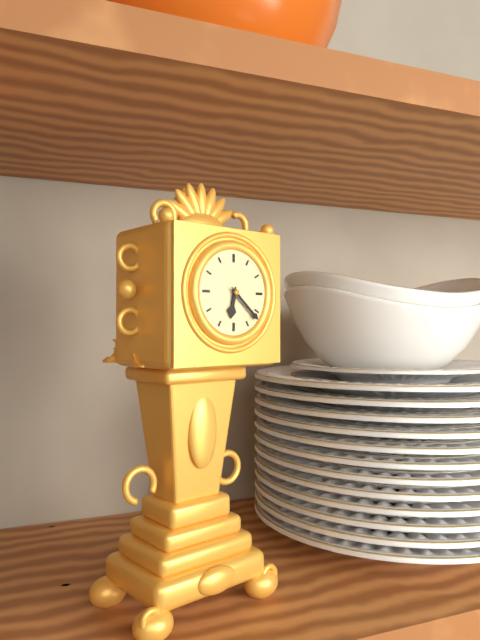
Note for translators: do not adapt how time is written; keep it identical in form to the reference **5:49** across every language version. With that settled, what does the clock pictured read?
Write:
**6:22**
